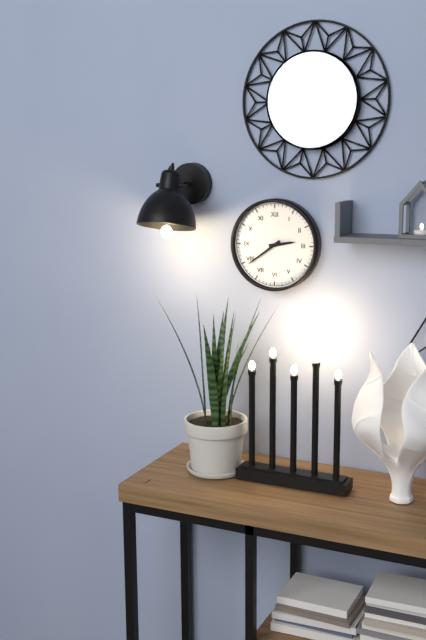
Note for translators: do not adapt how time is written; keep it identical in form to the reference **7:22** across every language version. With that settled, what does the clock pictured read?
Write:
**2:39**
